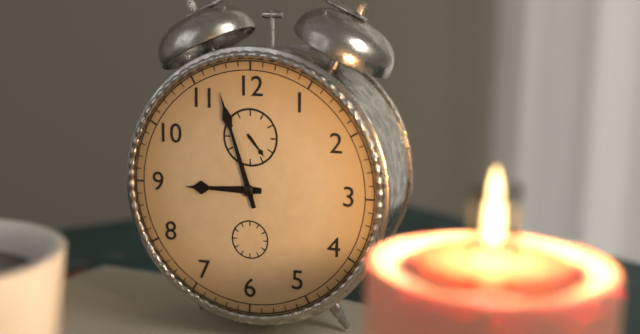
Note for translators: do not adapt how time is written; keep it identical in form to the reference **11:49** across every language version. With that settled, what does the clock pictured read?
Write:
**8:57**
